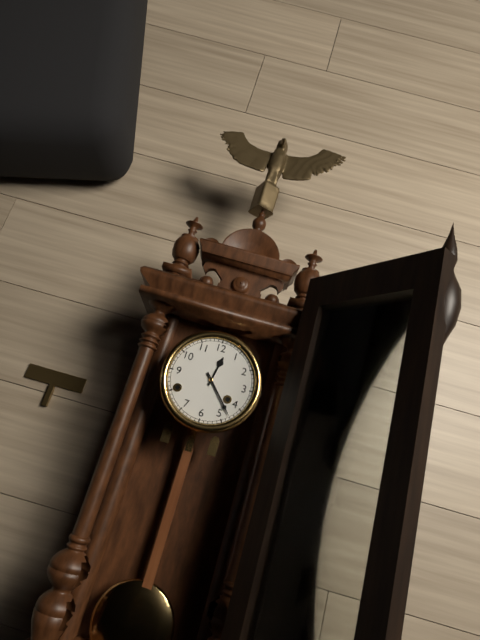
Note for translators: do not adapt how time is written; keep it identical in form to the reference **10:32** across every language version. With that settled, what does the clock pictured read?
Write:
**12:23**
